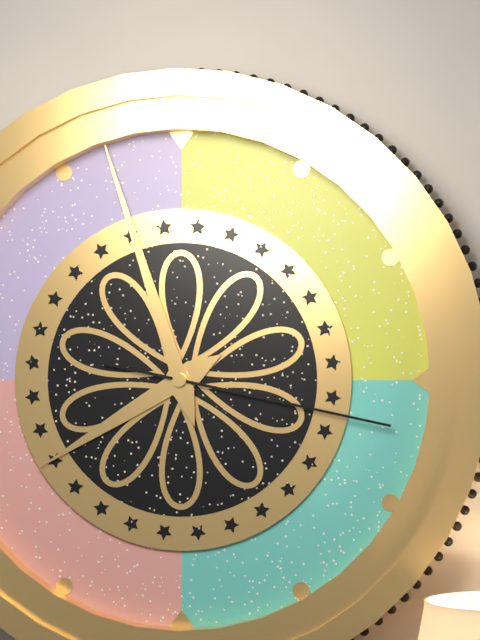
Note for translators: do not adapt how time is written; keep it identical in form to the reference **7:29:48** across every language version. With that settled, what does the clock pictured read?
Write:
**7:57:17**
